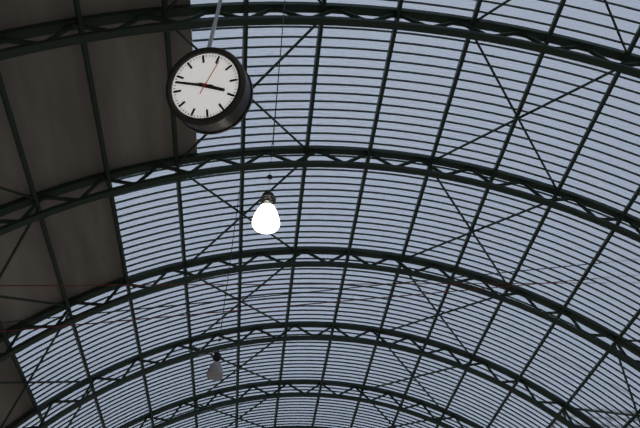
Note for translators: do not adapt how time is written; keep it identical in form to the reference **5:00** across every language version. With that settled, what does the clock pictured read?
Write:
**3:48**
